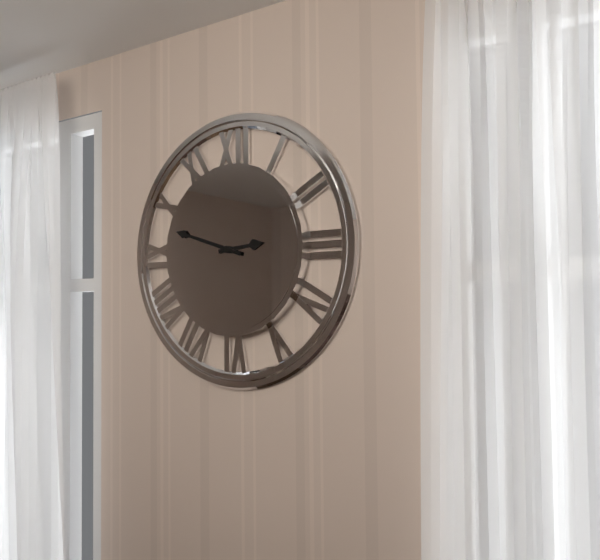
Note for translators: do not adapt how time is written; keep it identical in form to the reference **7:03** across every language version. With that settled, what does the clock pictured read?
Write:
**2:48**
